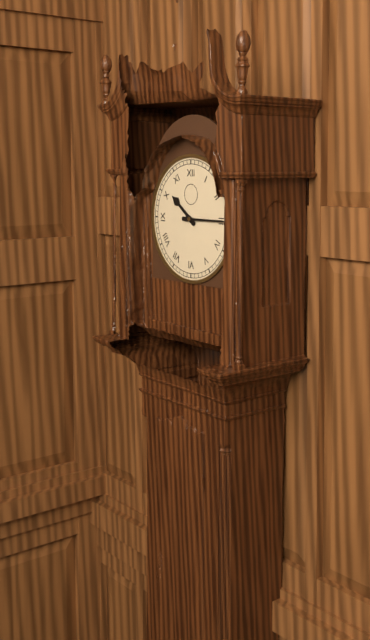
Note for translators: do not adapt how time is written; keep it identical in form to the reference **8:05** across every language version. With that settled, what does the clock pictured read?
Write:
**10:15**
